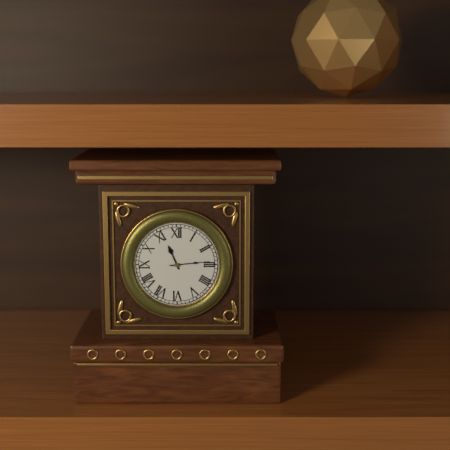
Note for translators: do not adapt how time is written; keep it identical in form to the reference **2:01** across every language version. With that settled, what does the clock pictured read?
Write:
**11:14**
